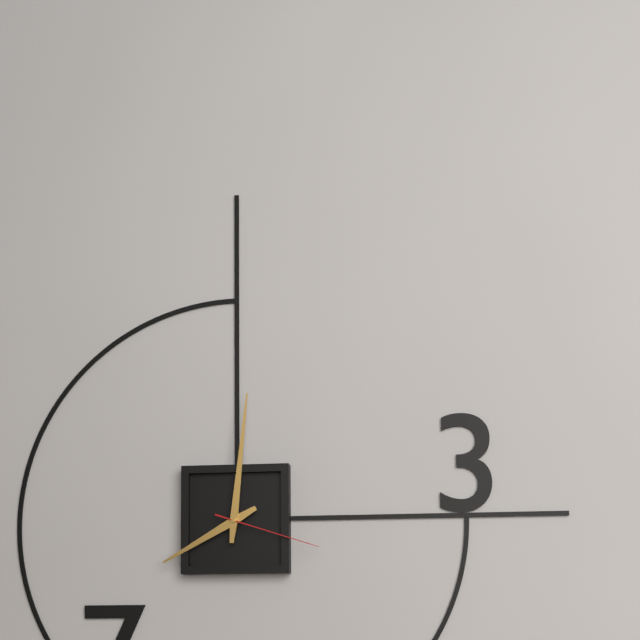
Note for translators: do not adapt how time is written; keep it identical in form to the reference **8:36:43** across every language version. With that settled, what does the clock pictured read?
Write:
**8:01:18**
